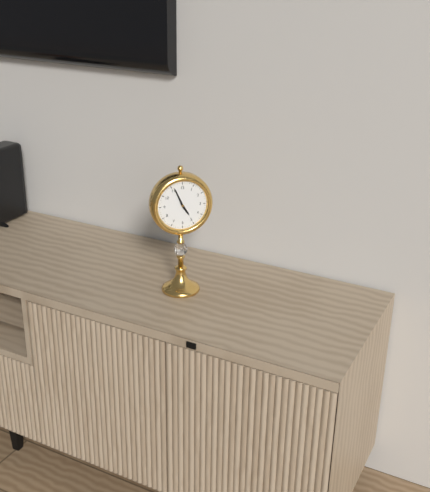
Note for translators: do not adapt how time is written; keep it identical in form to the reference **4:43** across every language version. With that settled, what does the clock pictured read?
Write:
**4:56**
